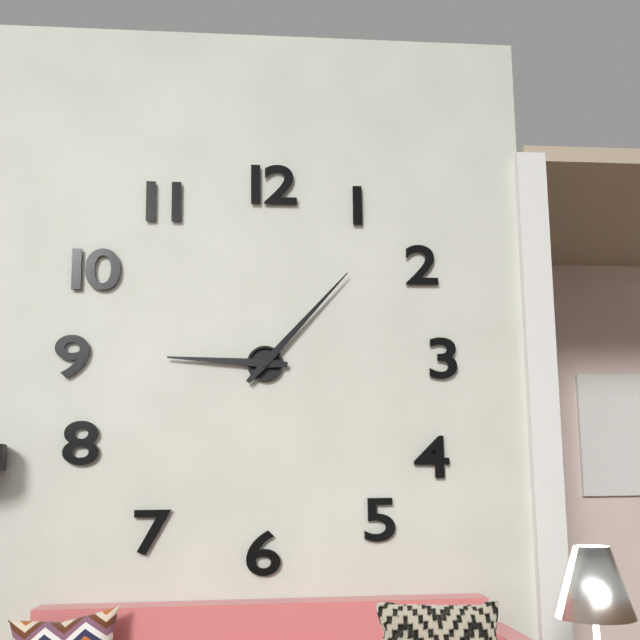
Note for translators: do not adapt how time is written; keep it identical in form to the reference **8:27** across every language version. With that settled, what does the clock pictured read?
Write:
**9:07**
